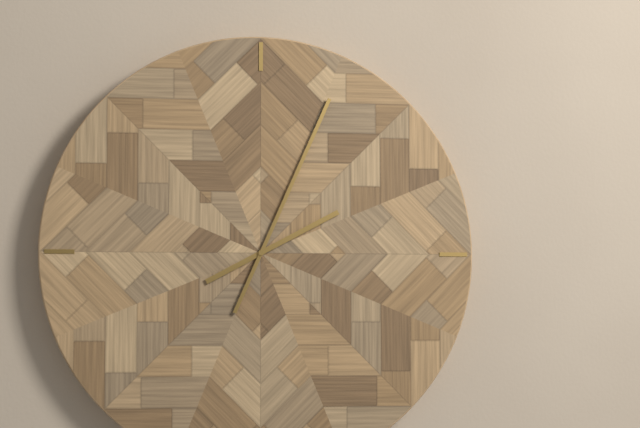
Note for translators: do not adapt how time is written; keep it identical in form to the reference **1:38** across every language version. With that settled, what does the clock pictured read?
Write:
**2:04**
